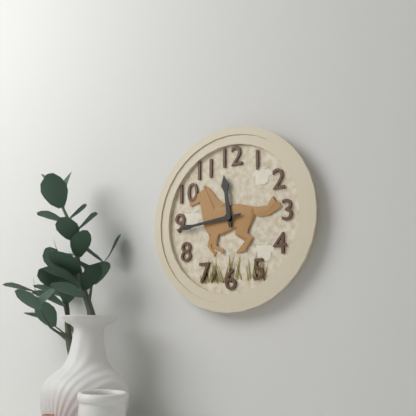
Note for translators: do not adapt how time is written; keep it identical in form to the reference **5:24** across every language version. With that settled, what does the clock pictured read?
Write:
**11:44**
